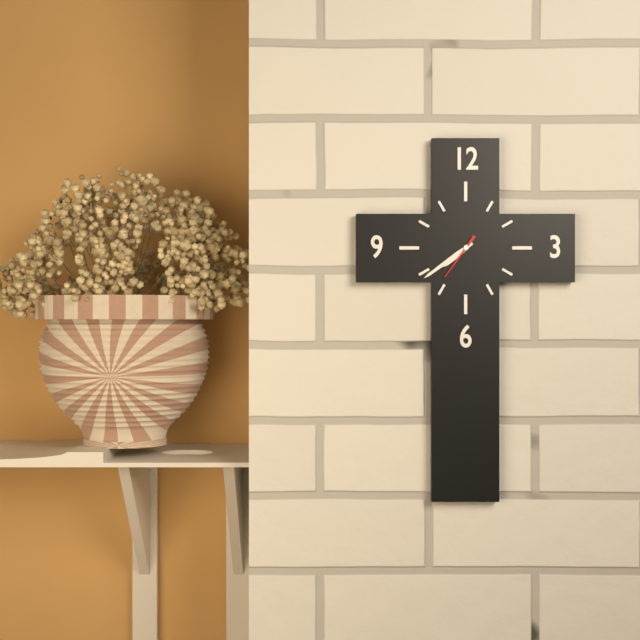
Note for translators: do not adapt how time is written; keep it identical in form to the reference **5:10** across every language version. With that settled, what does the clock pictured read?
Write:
**7:39**
